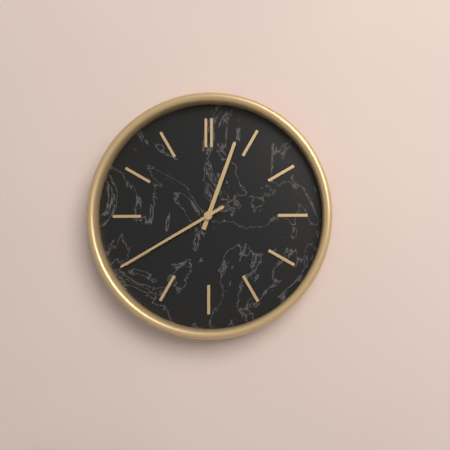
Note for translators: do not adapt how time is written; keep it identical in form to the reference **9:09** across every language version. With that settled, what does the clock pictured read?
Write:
**12:40**
